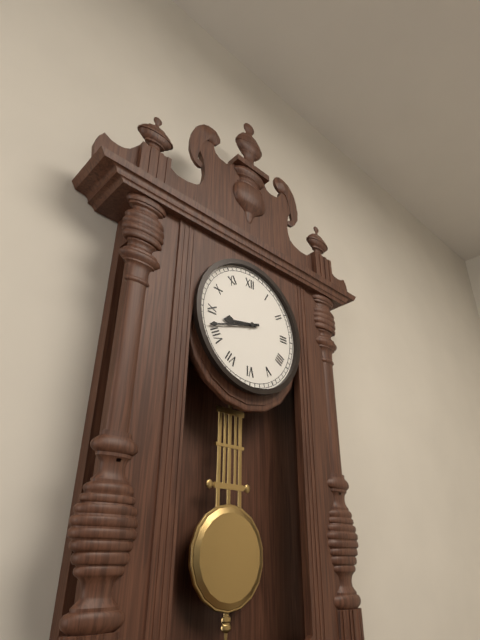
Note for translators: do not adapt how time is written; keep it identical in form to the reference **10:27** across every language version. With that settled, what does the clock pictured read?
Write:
**8:42**
